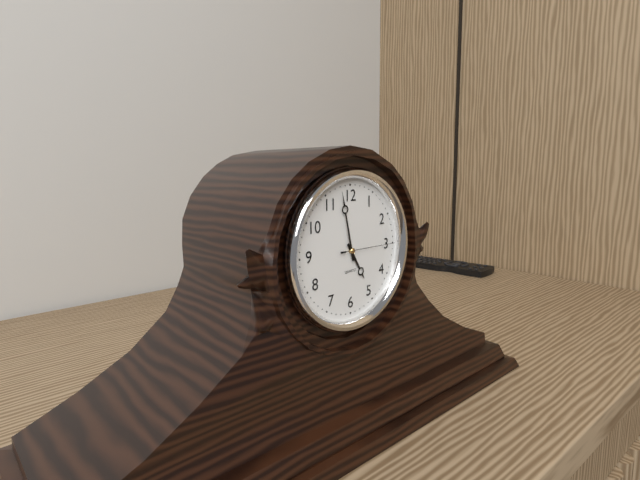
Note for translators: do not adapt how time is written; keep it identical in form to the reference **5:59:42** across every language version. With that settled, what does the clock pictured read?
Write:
**4:58:15**
